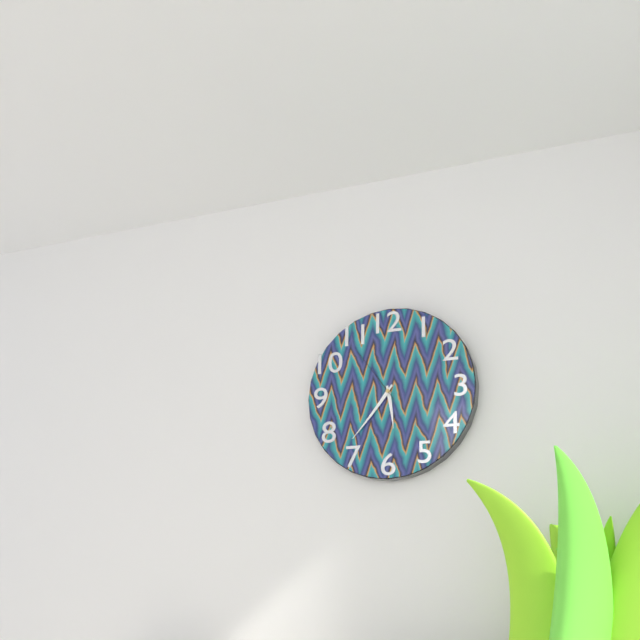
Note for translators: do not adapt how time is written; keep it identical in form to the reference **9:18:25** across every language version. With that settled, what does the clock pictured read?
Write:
**5:36:54**
